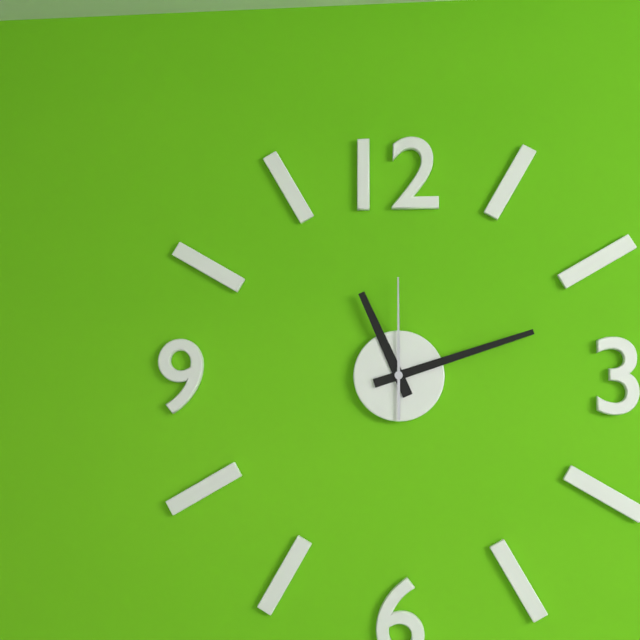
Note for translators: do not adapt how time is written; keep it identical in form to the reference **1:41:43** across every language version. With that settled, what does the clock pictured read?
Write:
**11:12:00**
